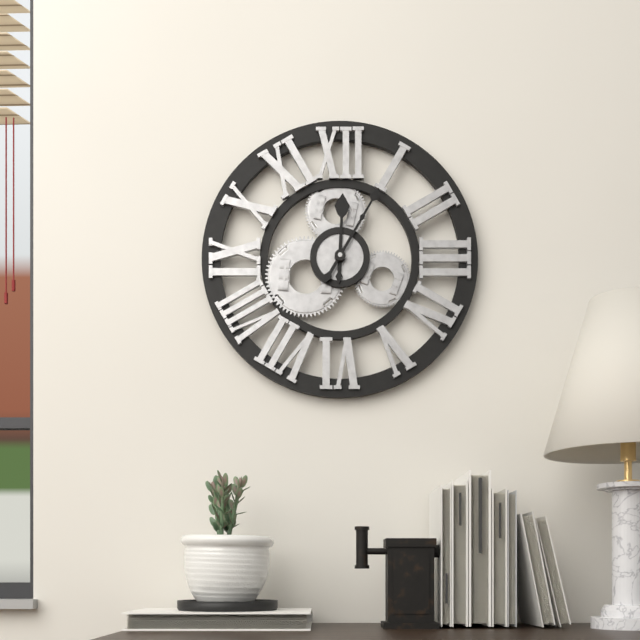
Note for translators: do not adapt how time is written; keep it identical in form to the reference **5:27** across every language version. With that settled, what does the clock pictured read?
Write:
**12:05**
